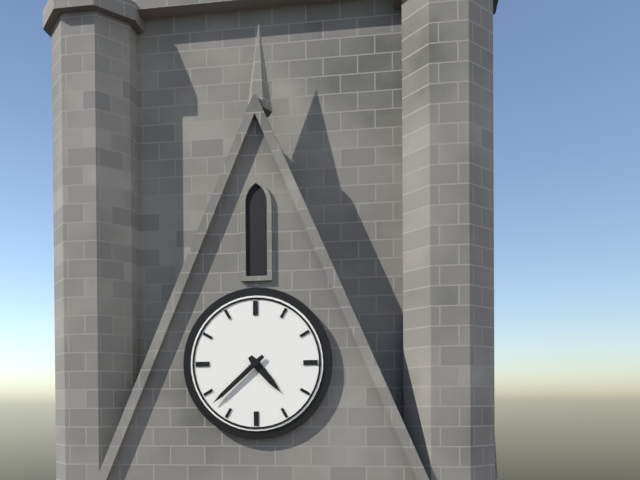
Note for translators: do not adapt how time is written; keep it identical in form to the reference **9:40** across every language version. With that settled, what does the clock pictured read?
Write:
**4:38**
